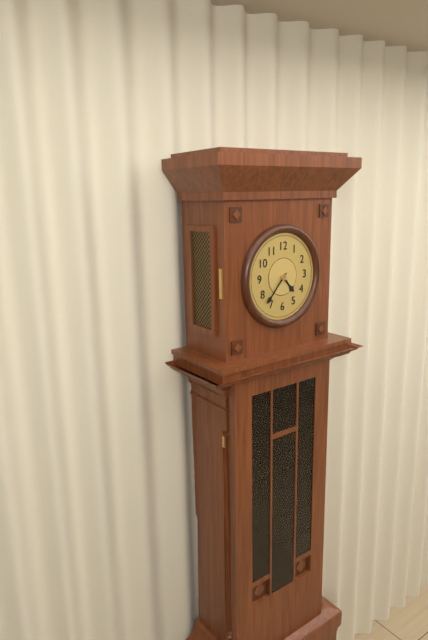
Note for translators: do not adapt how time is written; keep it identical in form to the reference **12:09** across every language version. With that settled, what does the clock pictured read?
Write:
**4:37**
